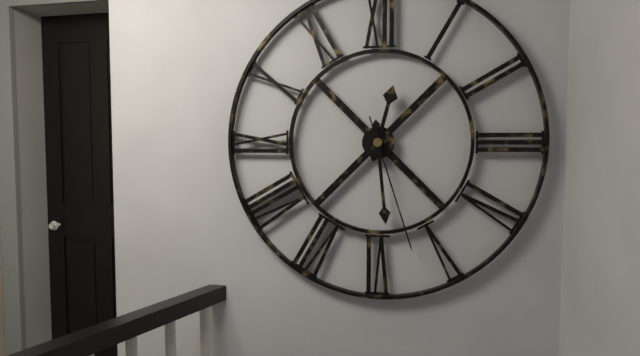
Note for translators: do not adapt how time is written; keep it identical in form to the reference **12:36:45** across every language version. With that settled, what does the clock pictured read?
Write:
**12:29:27**
